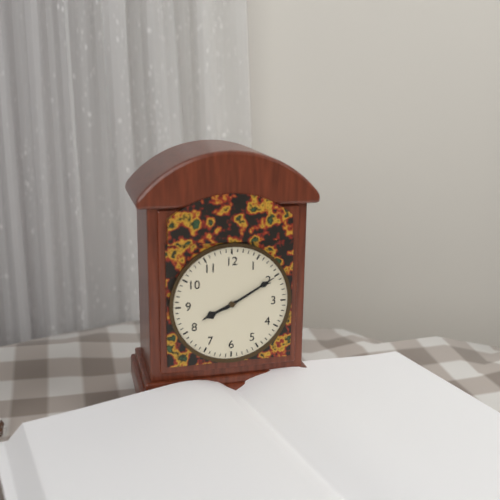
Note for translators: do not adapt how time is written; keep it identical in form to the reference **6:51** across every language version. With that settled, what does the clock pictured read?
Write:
**8:10**
